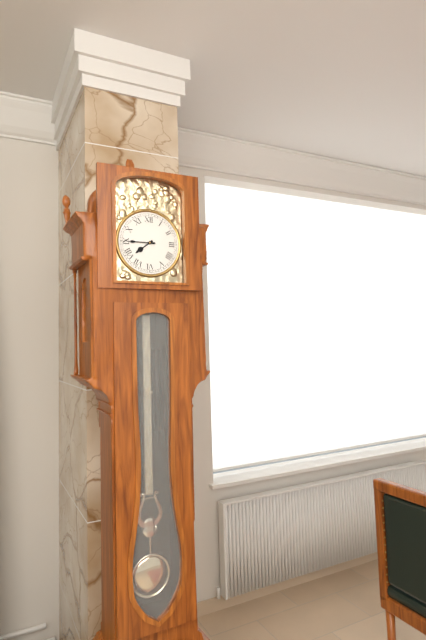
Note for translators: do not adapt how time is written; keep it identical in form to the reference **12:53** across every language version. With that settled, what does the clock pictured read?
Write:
**7:45**
